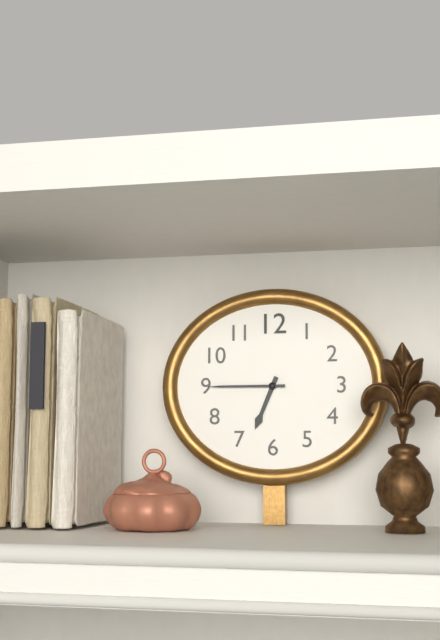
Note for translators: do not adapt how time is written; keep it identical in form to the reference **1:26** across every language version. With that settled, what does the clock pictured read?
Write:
**6:45**
